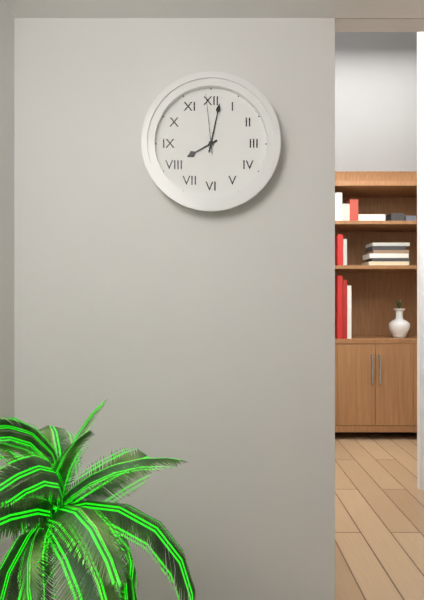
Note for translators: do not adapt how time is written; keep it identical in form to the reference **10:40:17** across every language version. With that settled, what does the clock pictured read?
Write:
**8:02:59**
